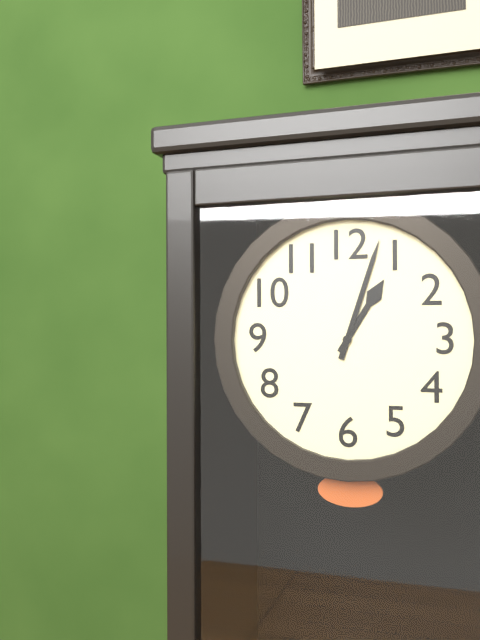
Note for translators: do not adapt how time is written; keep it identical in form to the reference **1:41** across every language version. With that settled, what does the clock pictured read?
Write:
**1:03**
